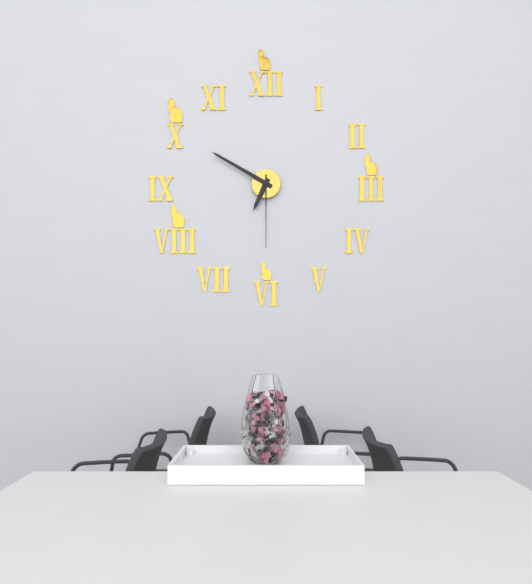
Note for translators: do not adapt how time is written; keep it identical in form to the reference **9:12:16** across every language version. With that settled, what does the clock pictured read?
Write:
**6:50:30**
